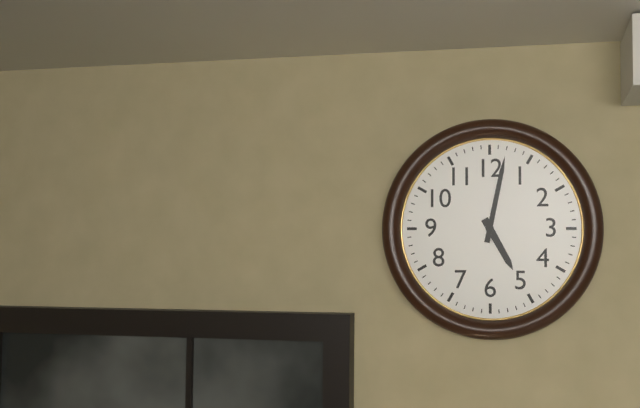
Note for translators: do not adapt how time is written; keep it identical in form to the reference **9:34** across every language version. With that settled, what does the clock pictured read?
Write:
**5:02**
